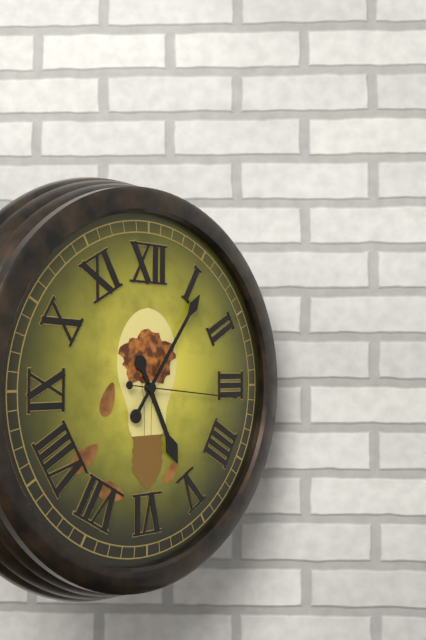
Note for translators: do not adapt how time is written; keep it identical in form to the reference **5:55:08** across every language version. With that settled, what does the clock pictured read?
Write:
**5:06:16**
